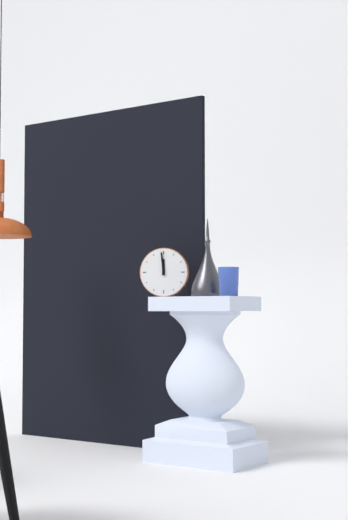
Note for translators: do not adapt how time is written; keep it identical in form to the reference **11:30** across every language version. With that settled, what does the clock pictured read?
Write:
**11:59**
